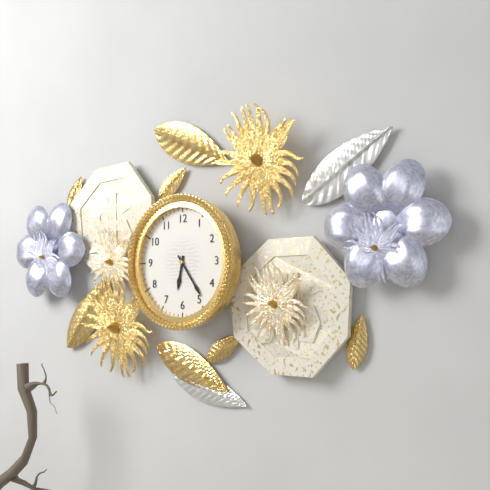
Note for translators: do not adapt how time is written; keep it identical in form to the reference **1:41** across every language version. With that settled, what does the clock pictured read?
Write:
**6:24**
